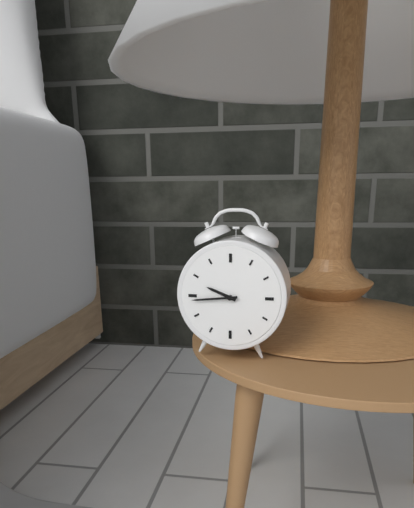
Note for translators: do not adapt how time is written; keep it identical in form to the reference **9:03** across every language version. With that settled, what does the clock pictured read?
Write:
**9:44**
